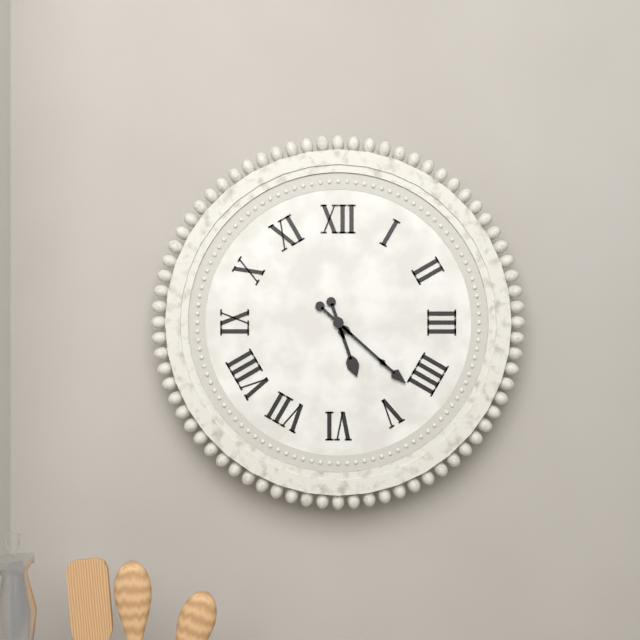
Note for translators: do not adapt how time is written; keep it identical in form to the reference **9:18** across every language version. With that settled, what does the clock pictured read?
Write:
**5:22**
